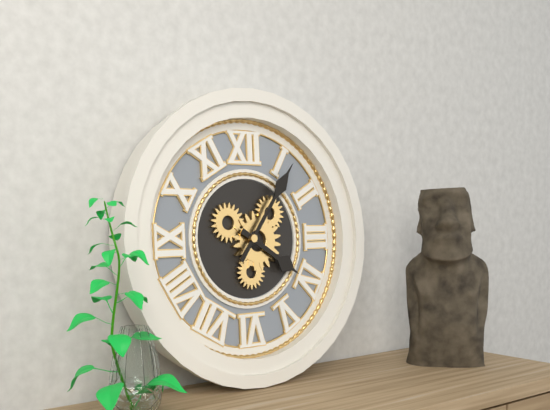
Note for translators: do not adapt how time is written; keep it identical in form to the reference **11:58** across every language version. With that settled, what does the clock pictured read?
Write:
**4:06**
